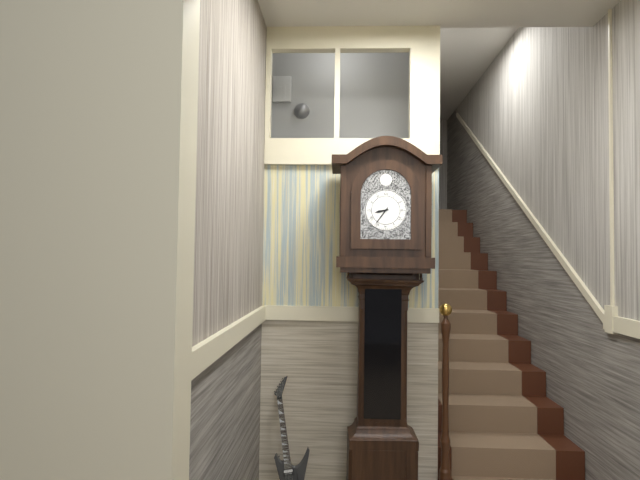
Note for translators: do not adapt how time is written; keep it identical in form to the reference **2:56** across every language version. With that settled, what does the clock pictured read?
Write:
**8:36**
